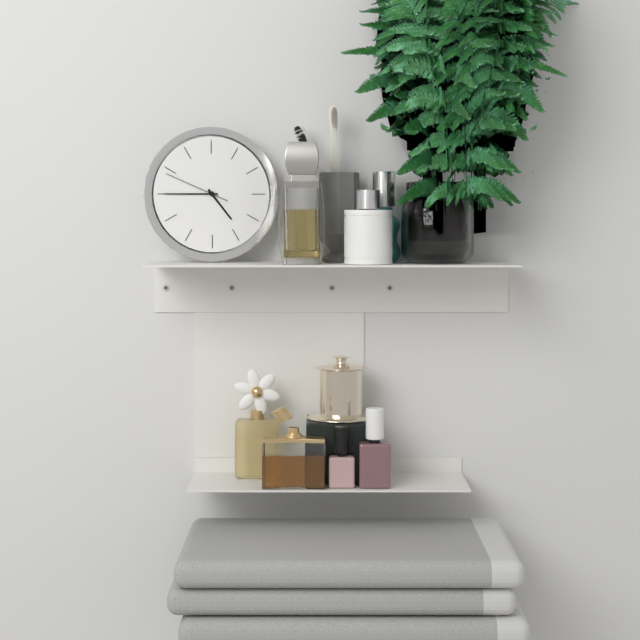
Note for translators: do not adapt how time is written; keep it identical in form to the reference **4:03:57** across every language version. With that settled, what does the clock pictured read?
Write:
**4:45:49**
